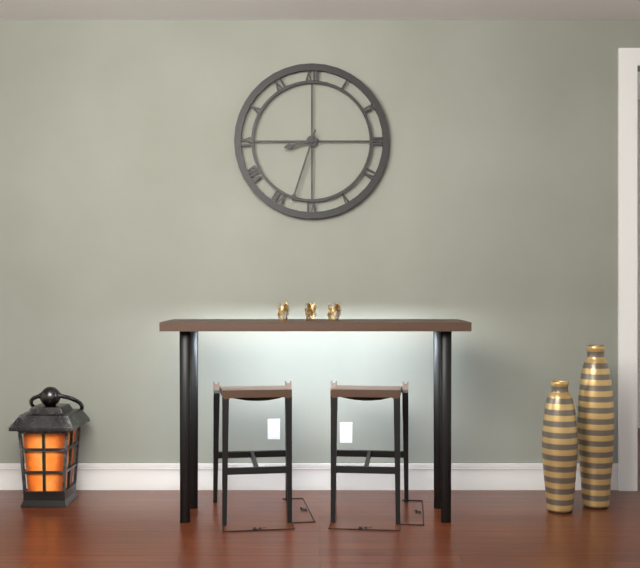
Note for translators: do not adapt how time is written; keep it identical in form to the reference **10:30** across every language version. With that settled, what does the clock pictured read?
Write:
**8:33**
